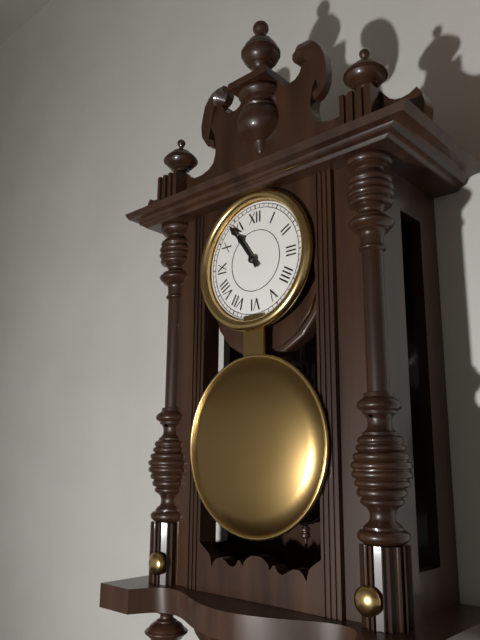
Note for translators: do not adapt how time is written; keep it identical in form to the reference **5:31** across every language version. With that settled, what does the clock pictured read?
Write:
**10:54**
